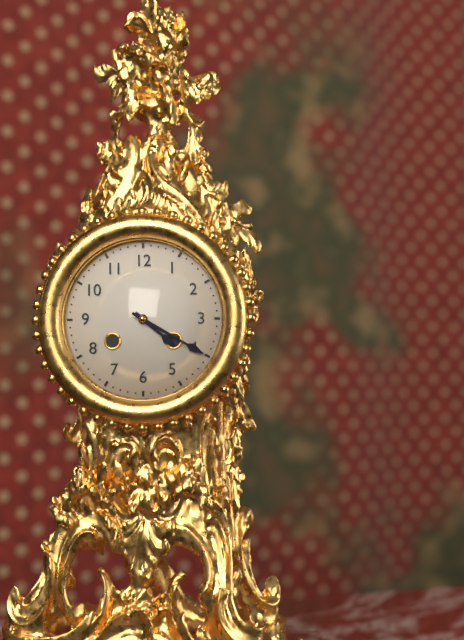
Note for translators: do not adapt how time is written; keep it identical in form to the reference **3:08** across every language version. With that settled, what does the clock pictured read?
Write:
**4:20**
